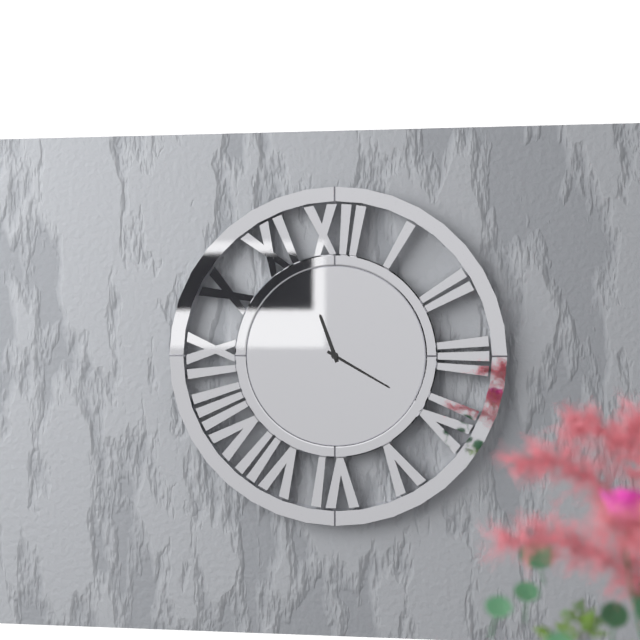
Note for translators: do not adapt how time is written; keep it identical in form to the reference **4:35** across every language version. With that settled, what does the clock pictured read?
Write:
**11:20**
